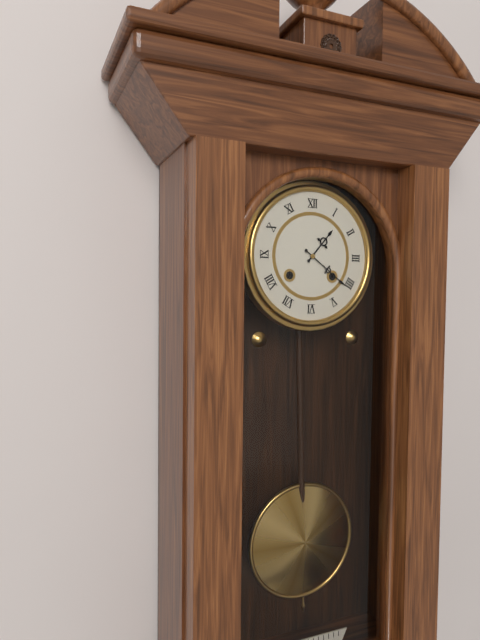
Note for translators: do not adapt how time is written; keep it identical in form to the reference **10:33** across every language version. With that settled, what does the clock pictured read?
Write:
**1:21**
